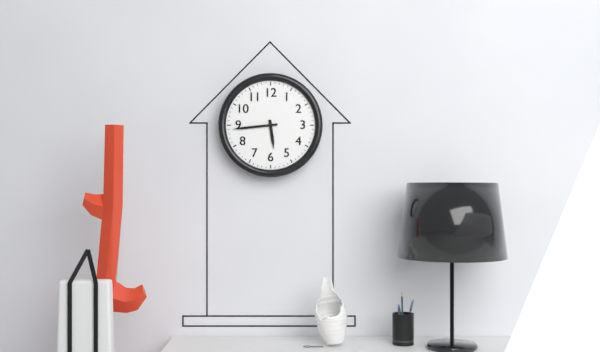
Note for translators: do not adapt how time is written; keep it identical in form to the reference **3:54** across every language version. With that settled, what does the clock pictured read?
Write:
**5:44**
